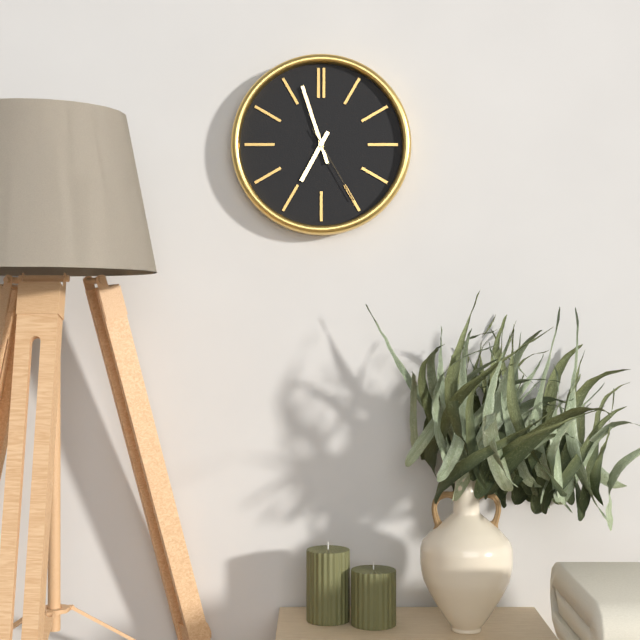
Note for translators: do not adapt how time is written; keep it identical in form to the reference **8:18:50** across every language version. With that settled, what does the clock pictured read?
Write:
**6:57:25**
